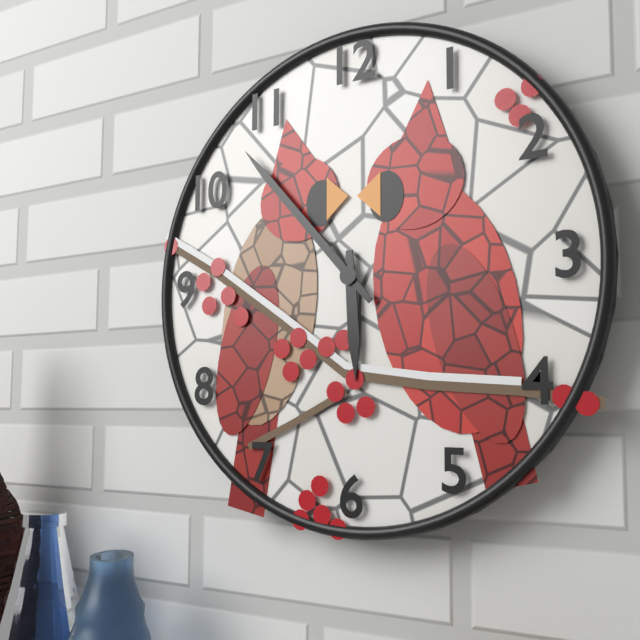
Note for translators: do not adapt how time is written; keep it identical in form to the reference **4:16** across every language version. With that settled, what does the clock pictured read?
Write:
**5:53**
